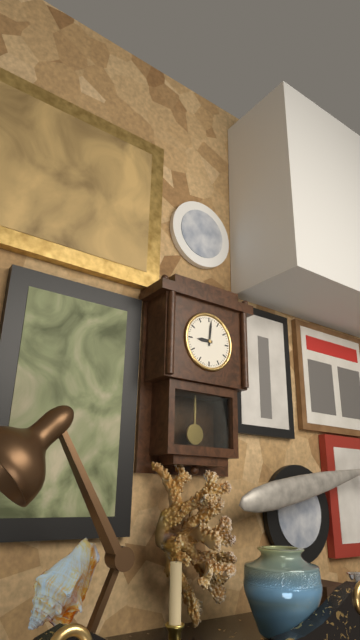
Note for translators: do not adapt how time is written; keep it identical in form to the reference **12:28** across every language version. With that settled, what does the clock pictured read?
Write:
**9:01**
